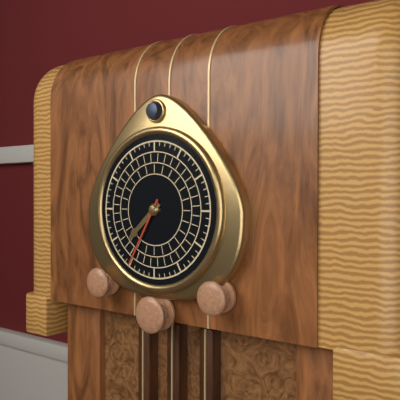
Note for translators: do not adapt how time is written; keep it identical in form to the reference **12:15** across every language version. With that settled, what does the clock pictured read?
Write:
**7:35**
